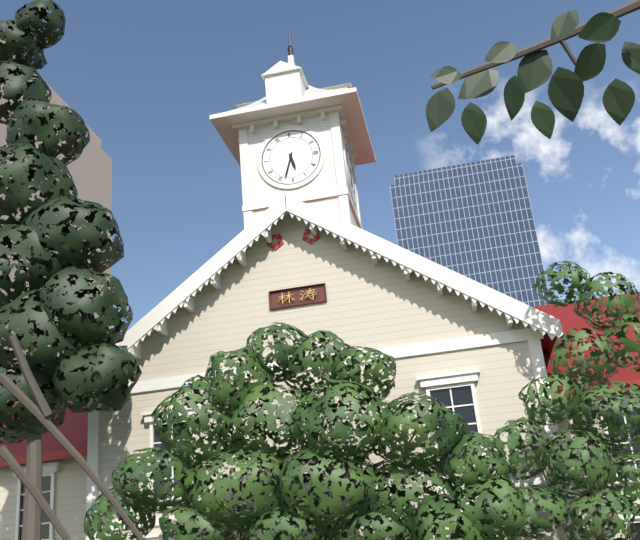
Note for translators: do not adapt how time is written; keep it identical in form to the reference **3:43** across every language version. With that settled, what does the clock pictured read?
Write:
**5:33**
